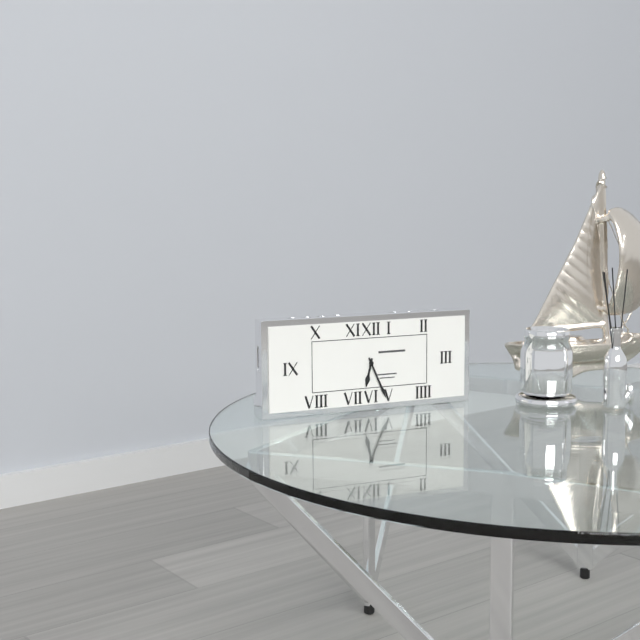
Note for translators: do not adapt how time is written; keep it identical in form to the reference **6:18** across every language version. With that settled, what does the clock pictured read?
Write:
**6:26**
